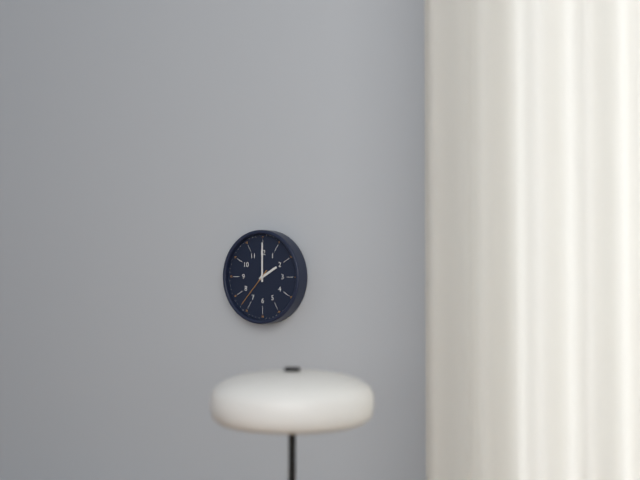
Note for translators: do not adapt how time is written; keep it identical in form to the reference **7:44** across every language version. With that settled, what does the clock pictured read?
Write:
**2:00**
